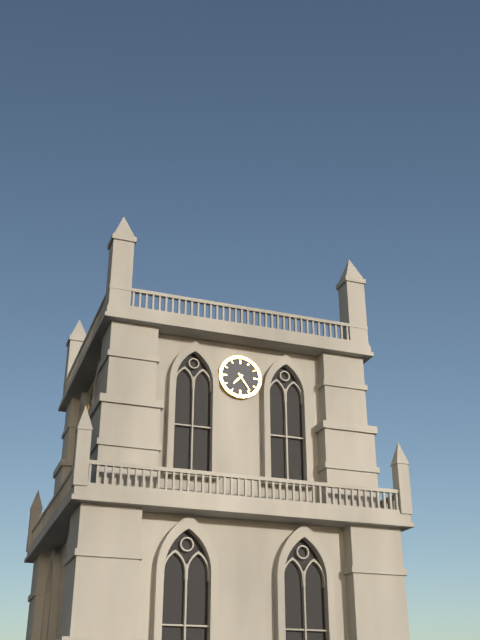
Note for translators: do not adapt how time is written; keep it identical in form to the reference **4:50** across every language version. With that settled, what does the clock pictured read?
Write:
**7:24**
